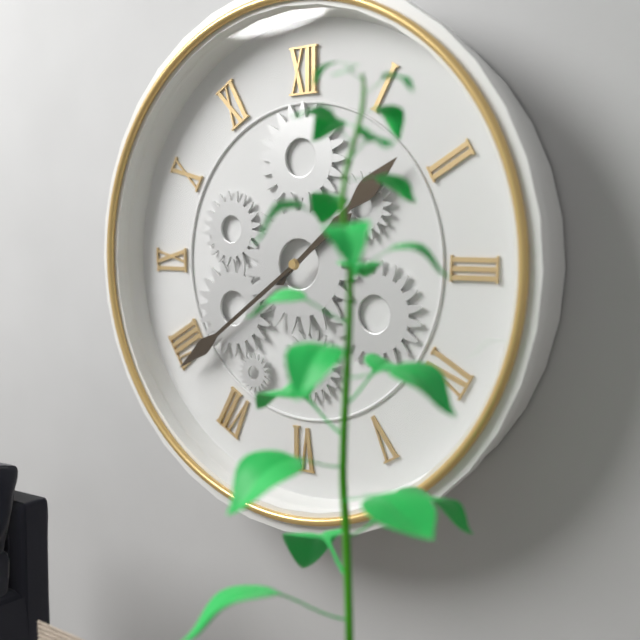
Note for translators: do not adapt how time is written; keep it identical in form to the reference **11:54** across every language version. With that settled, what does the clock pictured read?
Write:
**1:39**
